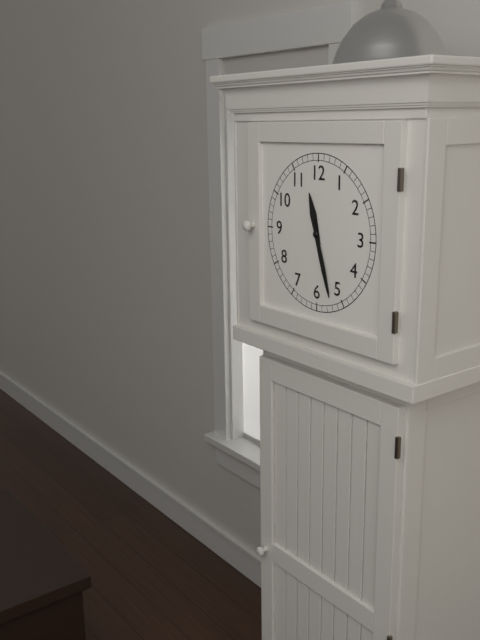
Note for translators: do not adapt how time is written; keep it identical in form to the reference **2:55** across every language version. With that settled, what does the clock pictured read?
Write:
**11:27**
